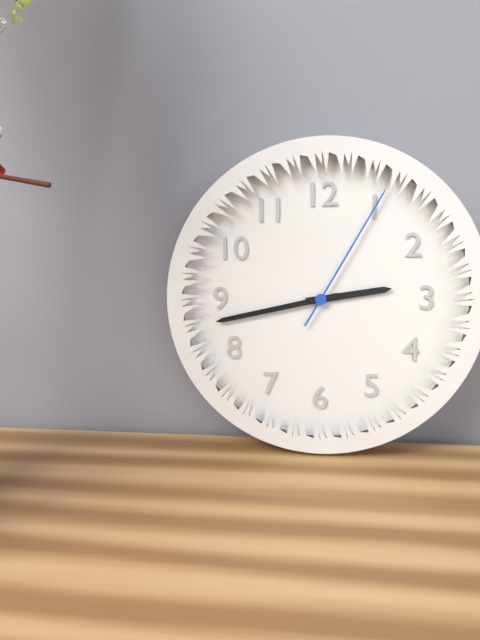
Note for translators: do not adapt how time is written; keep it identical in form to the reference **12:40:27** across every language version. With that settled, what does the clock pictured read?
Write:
**2:43:05**
